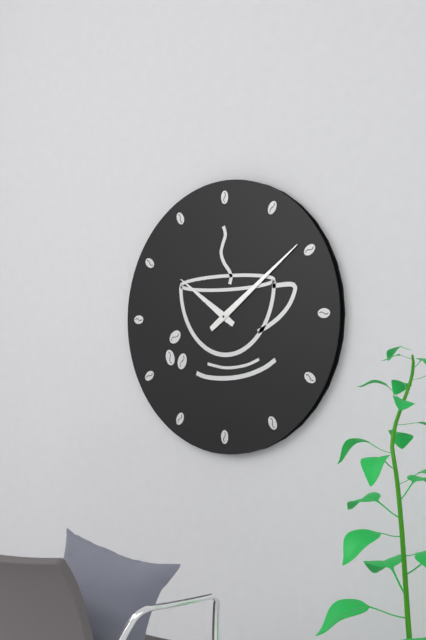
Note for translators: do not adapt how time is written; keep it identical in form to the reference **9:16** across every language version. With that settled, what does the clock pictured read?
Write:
**10:09**
